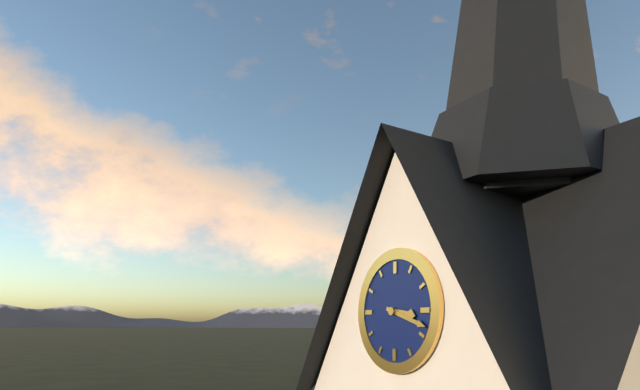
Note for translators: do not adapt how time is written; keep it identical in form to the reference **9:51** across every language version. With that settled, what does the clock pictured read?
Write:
**3:18**
